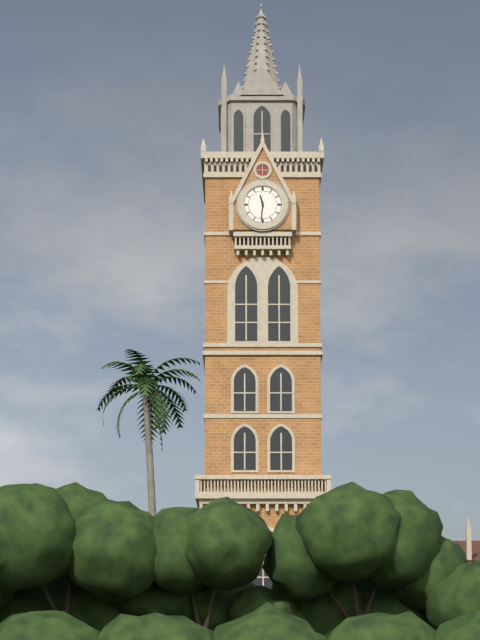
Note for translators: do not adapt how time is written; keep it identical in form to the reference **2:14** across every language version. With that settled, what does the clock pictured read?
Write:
**11:31**
